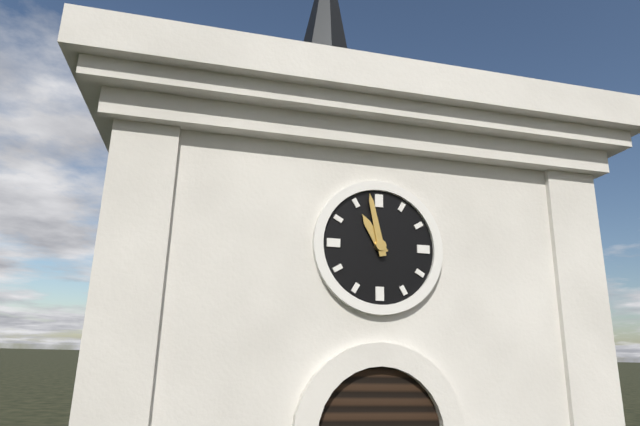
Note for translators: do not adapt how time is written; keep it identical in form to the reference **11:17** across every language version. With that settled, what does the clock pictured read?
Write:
**10:58**
